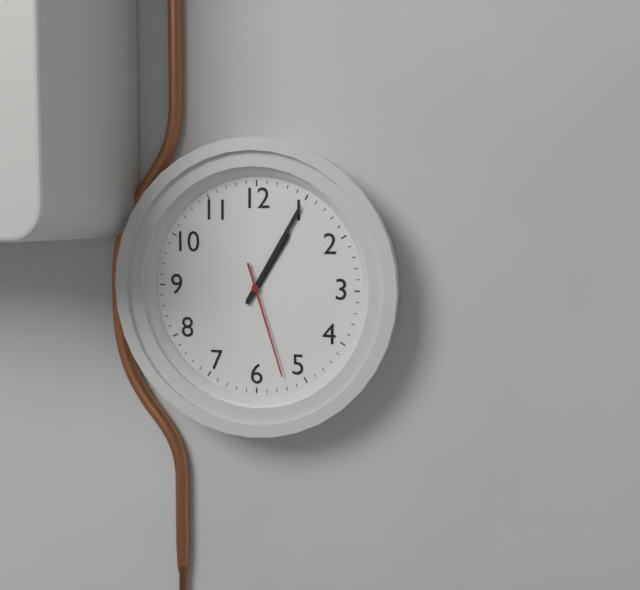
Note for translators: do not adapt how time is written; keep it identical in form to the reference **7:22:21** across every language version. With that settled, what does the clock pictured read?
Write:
**1:05:27**
